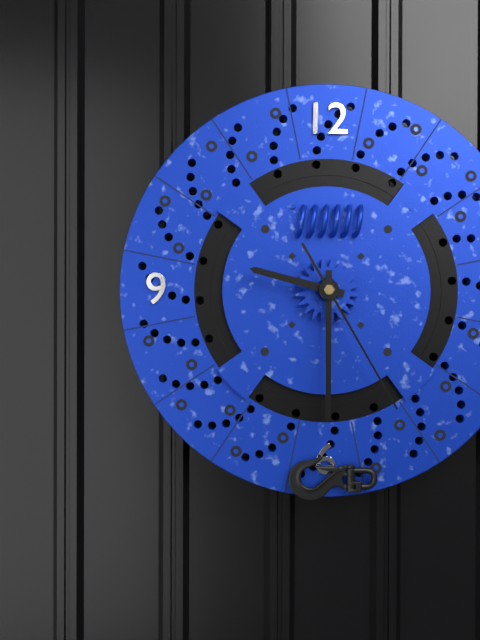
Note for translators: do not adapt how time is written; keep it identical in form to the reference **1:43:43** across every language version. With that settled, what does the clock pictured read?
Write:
**9:30:25**
